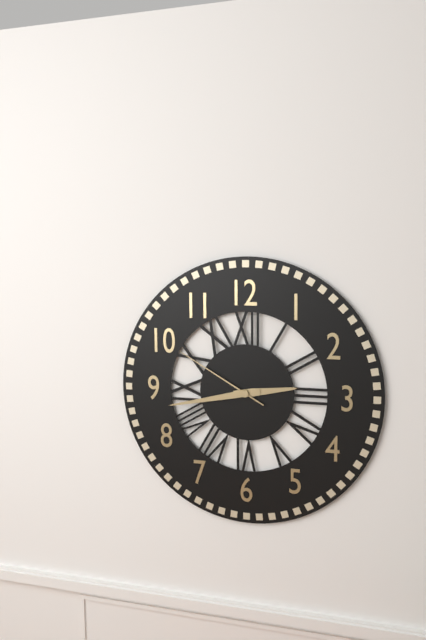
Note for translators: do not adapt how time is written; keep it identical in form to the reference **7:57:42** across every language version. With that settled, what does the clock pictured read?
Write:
**2:43:50**
